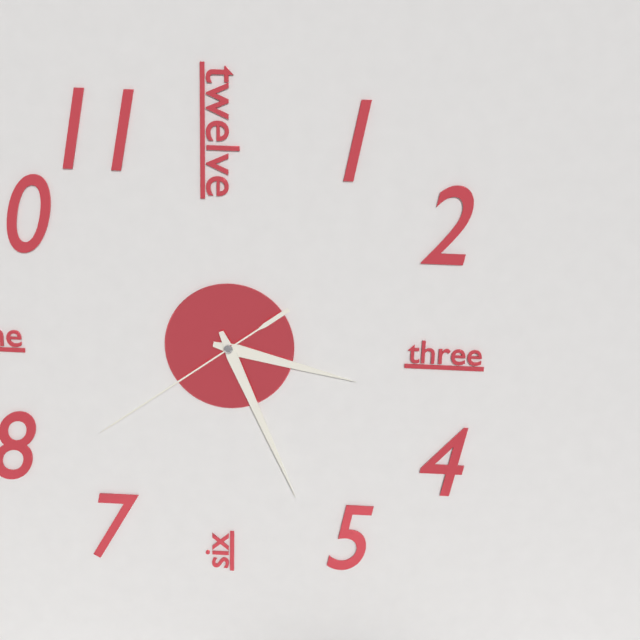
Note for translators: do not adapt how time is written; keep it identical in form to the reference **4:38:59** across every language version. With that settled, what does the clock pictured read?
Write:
**3:26:39**
